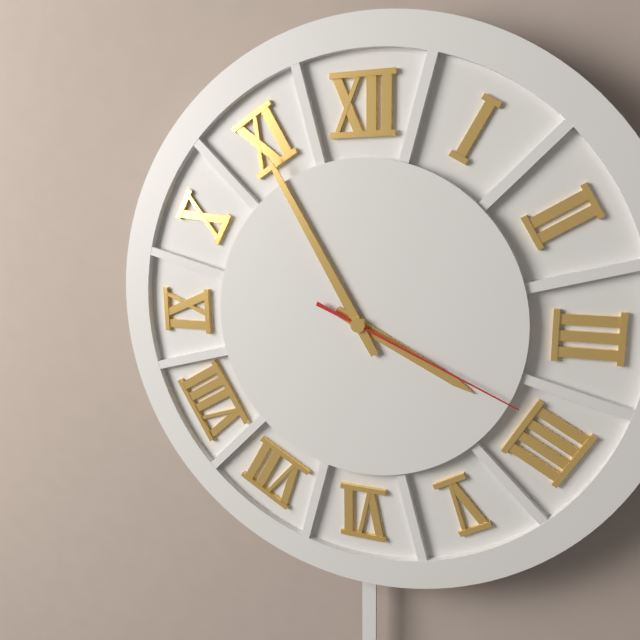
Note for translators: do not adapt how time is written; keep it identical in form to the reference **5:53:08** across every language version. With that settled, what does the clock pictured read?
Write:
**3:55:19**
